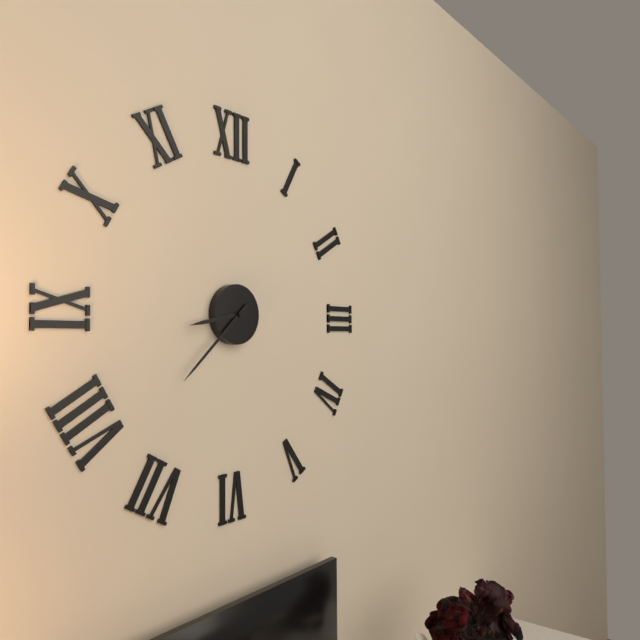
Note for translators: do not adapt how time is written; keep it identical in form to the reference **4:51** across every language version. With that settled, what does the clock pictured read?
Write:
**8:38**
